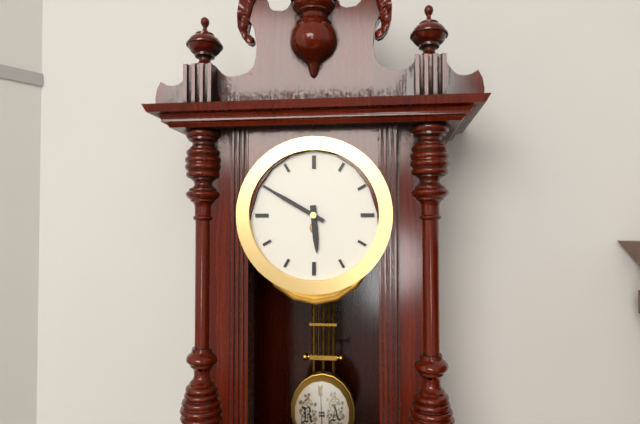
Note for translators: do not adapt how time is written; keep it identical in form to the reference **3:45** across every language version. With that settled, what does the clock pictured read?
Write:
**5:50**
